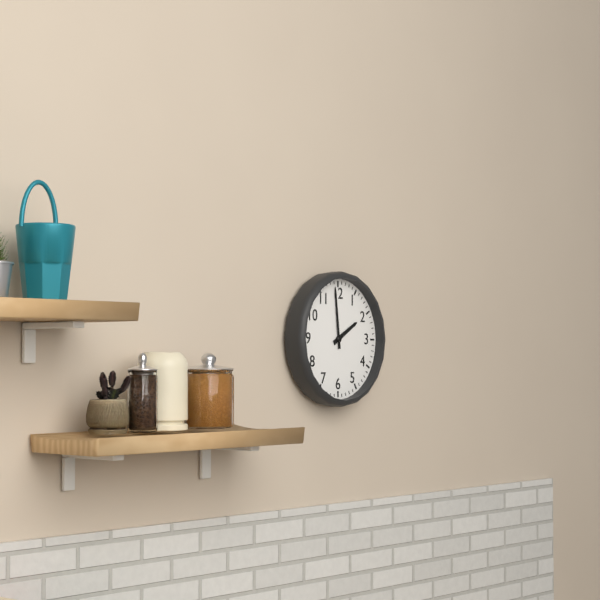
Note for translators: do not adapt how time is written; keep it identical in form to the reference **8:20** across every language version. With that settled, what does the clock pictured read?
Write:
**1:59**
